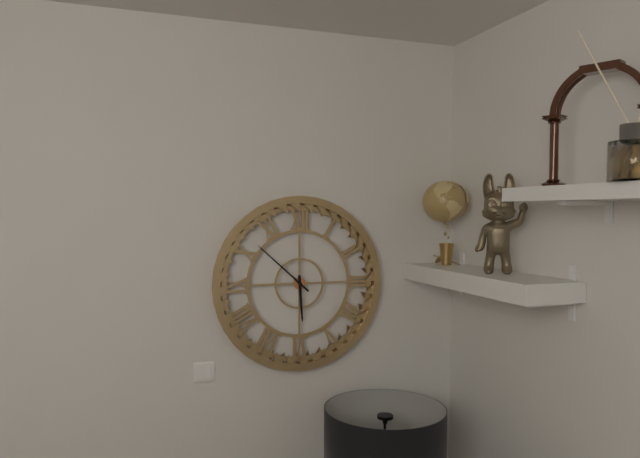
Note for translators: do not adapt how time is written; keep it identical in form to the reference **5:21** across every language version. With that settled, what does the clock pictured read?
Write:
**5:52**
